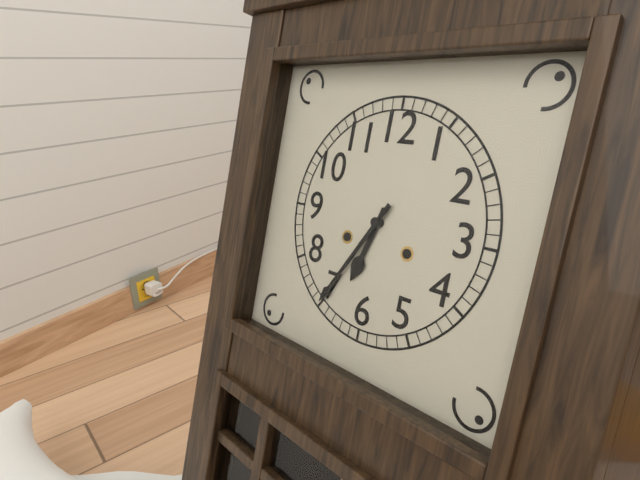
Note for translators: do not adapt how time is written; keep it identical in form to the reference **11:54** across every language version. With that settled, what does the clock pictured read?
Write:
**6:35**
